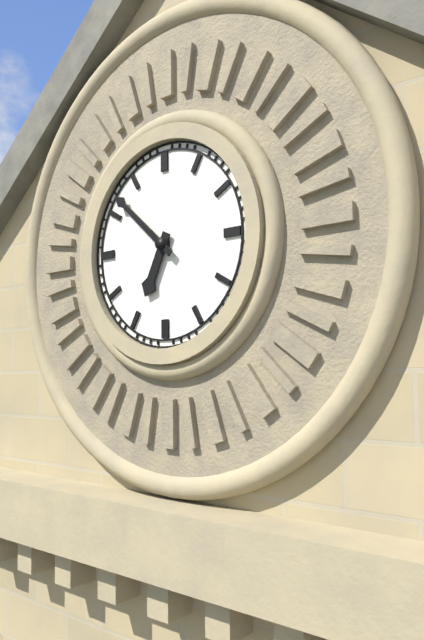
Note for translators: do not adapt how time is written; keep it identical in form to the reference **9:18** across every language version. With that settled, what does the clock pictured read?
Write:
**6:52**
